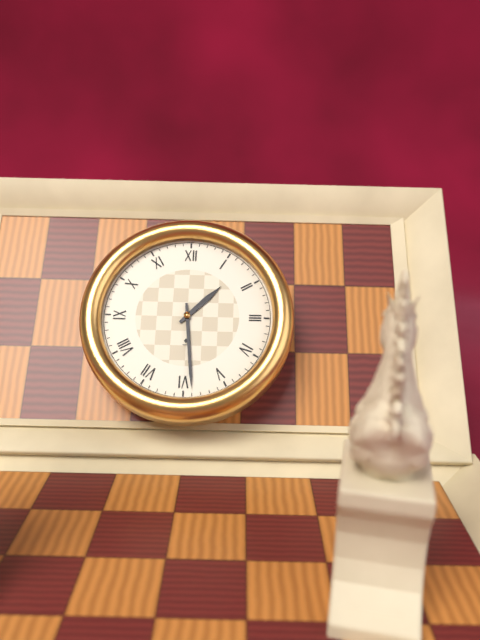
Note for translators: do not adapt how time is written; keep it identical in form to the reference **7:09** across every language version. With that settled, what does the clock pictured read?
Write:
**1:29**
